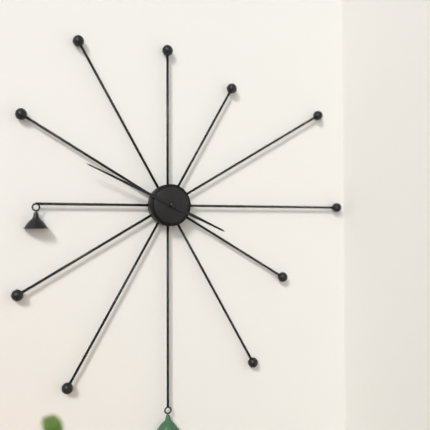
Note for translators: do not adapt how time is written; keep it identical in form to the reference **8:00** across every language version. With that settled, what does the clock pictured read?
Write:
**3:49**
